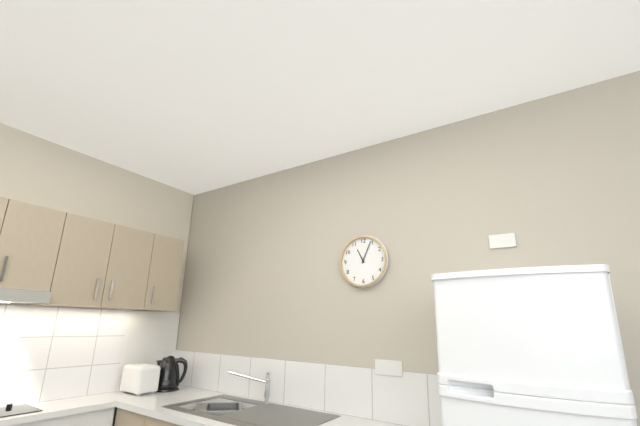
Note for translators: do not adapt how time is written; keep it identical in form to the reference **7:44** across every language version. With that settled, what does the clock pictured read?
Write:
**11:04**
